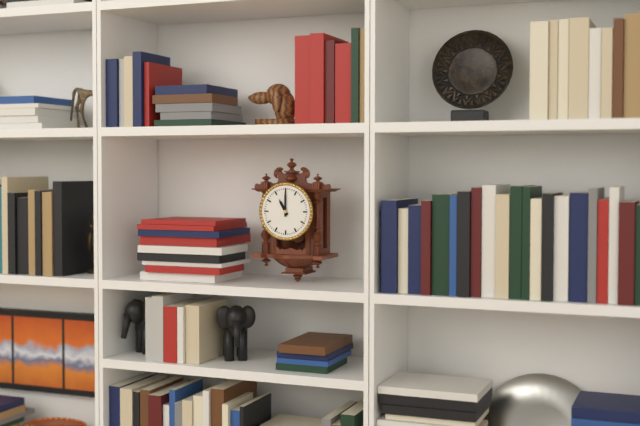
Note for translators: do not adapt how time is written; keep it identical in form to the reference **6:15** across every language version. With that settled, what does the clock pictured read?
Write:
**11:00**
